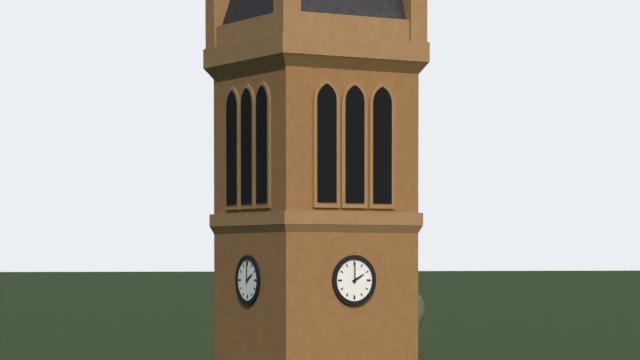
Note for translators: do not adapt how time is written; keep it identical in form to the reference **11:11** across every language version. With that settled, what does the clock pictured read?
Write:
**2:00**
